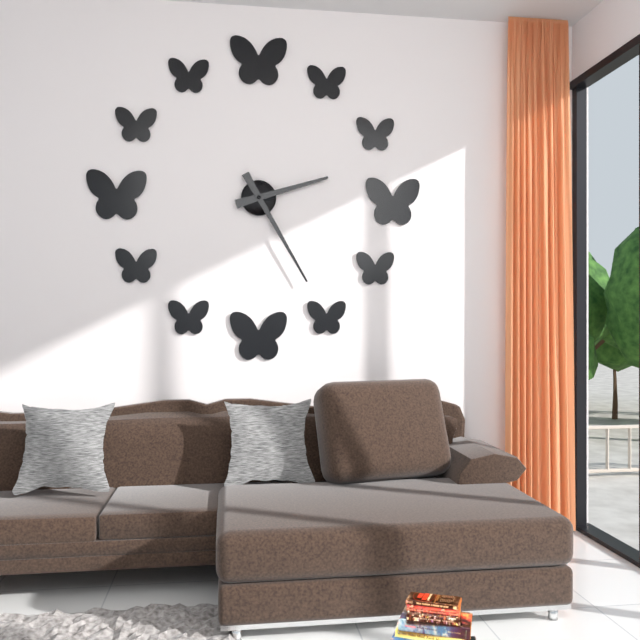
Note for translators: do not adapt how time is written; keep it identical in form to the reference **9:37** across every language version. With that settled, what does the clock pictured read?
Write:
**2:25**
